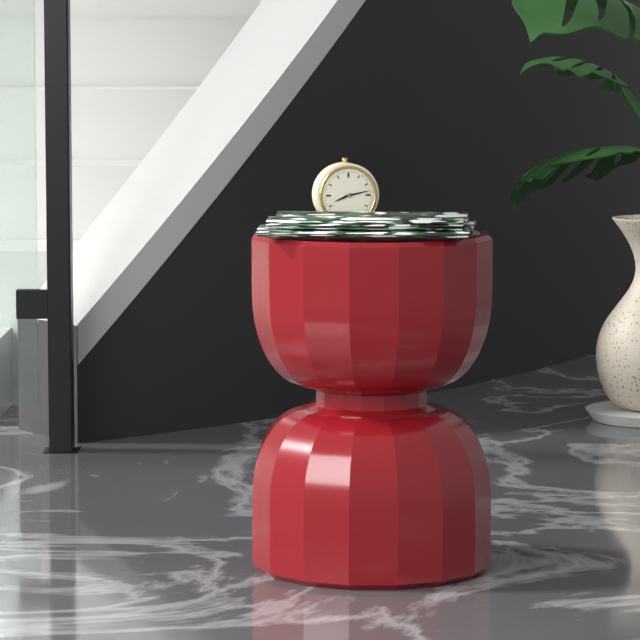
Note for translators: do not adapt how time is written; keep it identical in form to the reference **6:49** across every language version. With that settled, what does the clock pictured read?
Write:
**8:13**
